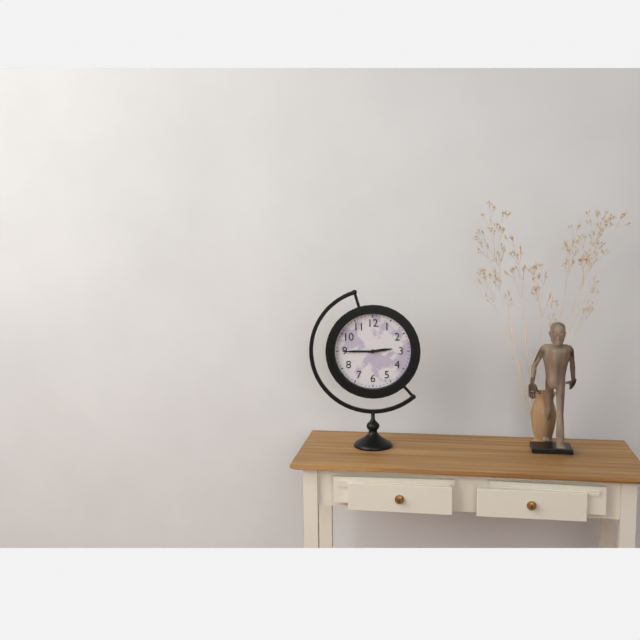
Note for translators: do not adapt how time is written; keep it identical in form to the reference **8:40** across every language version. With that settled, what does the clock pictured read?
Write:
**2:45**
